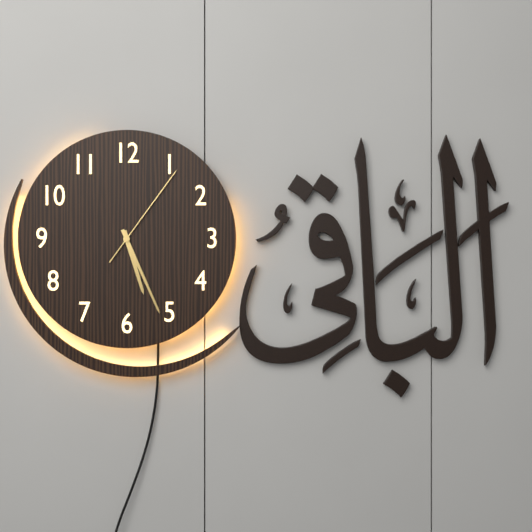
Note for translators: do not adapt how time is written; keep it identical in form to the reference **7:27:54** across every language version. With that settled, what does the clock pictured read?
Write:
**5:26:06**
